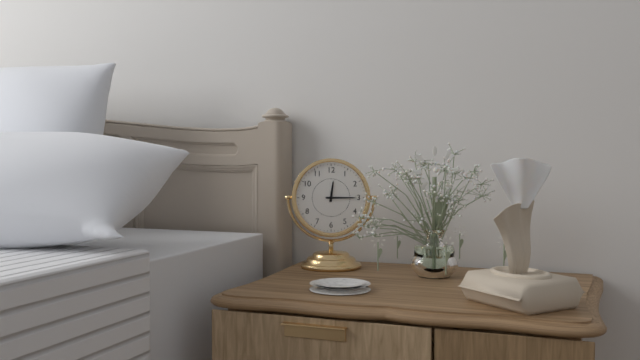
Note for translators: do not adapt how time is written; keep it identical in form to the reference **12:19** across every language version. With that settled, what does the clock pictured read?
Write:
**12:15**
